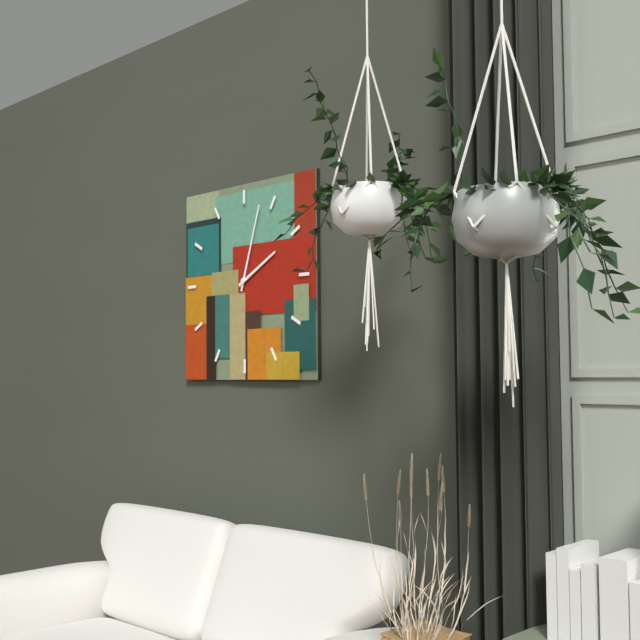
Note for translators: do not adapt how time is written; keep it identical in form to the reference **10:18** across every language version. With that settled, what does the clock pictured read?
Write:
**2:03**
